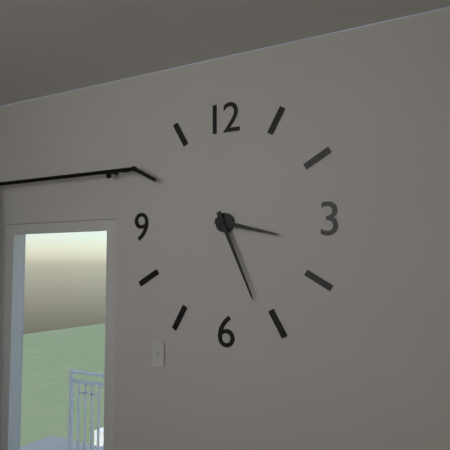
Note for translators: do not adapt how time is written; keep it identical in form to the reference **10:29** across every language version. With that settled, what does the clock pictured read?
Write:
**3:26**
